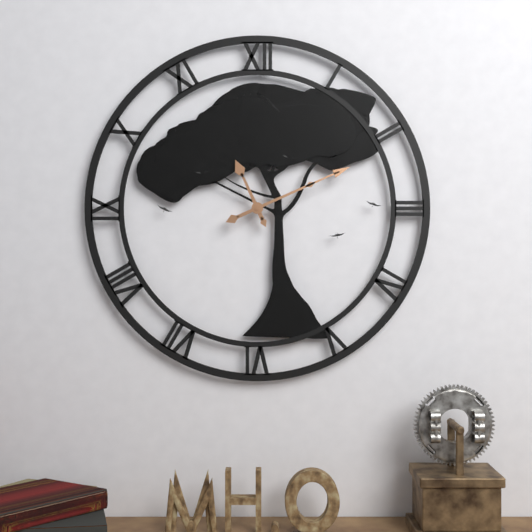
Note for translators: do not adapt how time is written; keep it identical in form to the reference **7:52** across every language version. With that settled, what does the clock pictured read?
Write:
**11:11**
